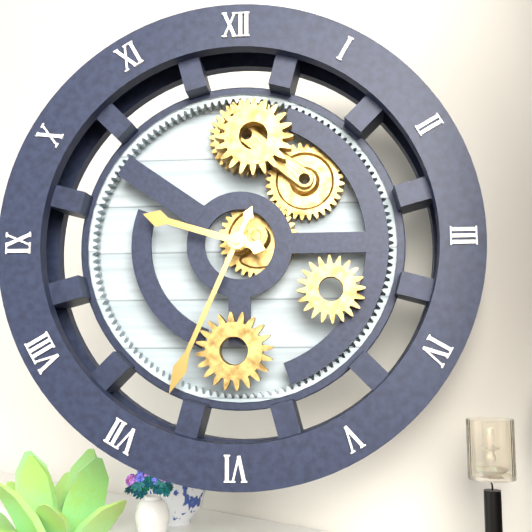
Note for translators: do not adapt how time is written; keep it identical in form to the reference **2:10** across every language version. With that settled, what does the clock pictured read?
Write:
**9:34**
